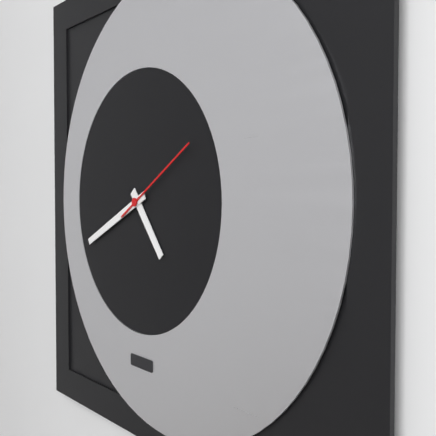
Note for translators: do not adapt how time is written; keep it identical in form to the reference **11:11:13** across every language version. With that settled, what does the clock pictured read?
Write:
**4:41:10**
